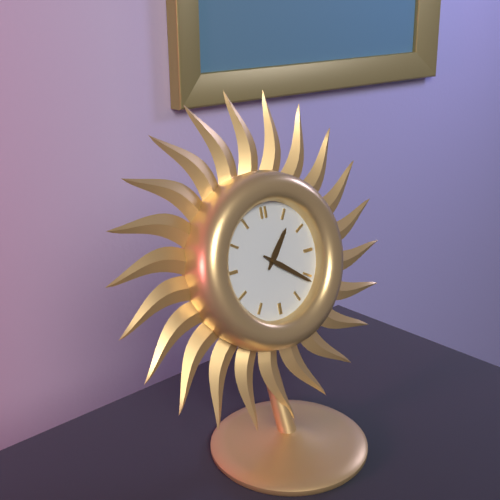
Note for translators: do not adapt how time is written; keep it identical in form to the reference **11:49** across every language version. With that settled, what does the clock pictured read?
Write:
**1:21**
